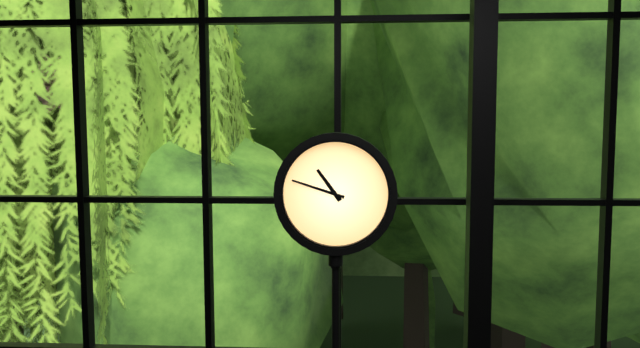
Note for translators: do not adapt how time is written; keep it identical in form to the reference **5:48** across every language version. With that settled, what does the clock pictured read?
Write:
**10:48**
